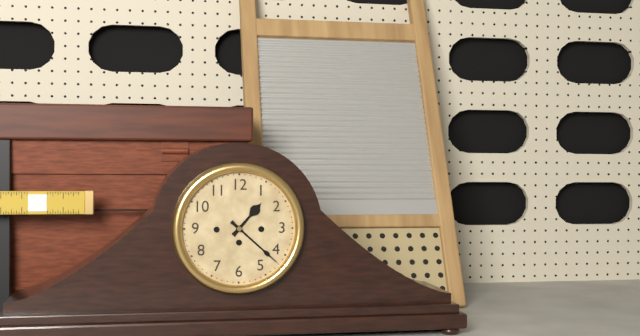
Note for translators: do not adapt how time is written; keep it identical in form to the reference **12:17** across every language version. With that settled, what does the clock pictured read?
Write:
**1:22**
